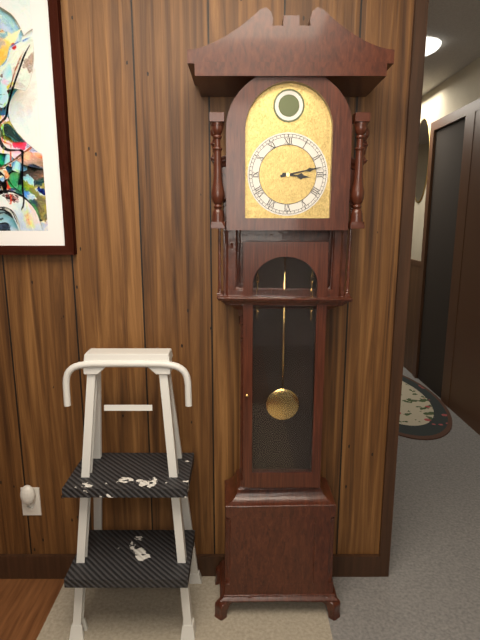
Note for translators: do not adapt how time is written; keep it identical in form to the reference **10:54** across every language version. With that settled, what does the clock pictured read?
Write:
**3:13**
